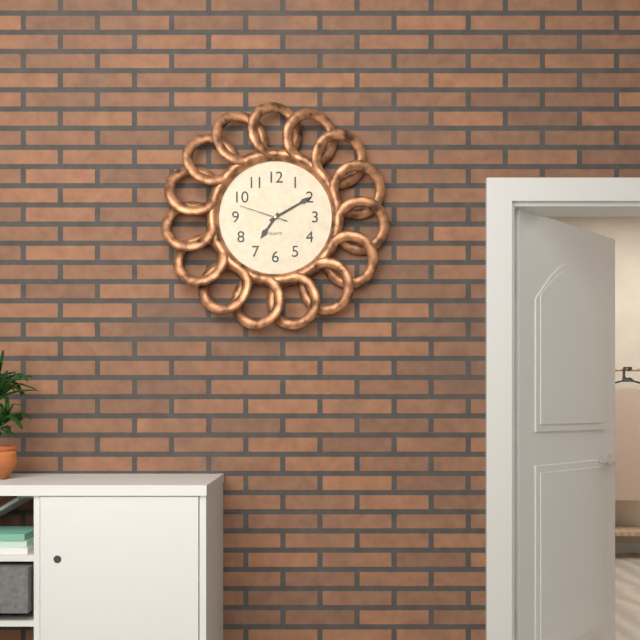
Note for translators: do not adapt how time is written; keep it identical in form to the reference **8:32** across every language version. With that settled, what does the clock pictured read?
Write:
**7:10**
